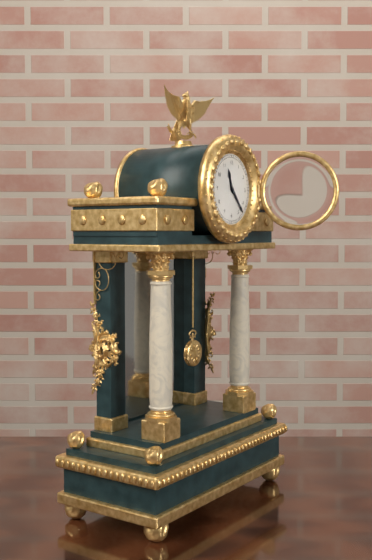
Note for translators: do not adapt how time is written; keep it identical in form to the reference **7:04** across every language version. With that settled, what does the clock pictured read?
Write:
**11:23**
